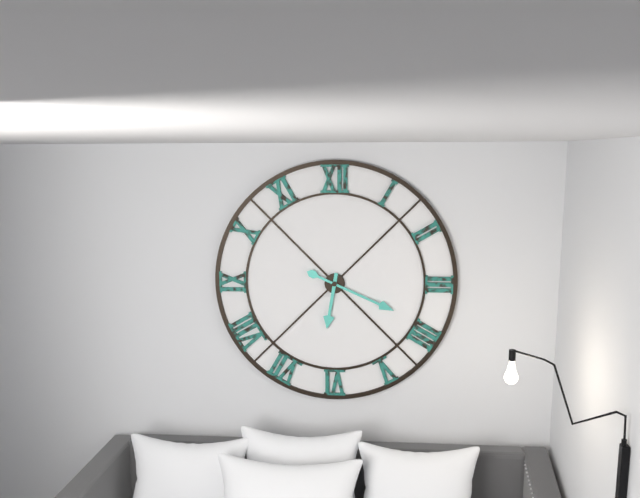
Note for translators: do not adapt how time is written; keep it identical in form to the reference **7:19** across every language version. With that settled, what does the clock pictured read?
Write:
**6:19**
